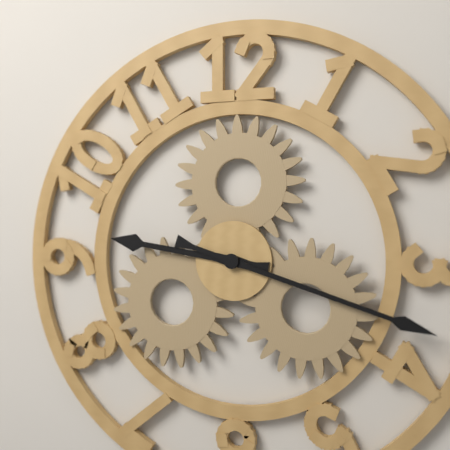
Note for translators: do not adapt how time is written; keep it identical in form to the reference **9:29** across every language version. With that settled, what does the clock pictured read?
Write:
**9:18**
